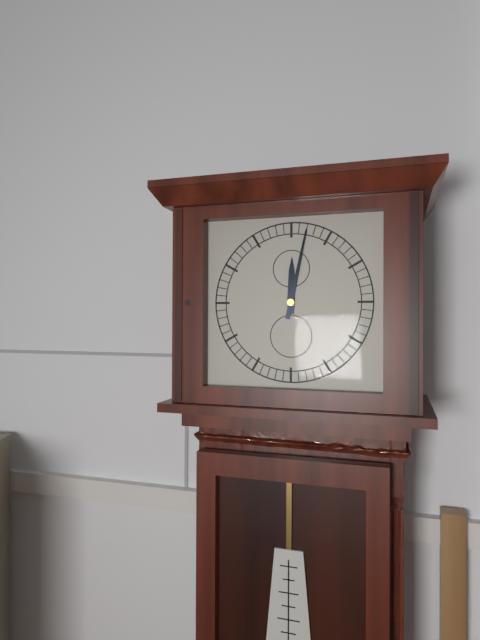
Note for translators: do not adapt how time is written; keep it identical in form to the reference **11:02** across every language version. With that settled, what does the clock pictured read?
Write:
**12:02**
